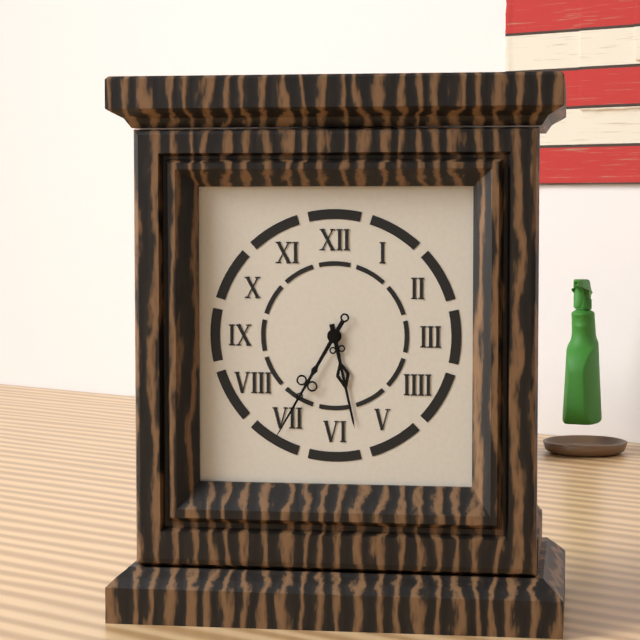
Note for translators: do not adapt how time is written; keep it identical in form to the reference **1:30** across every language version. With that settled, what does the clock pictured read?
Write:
**5:35**
